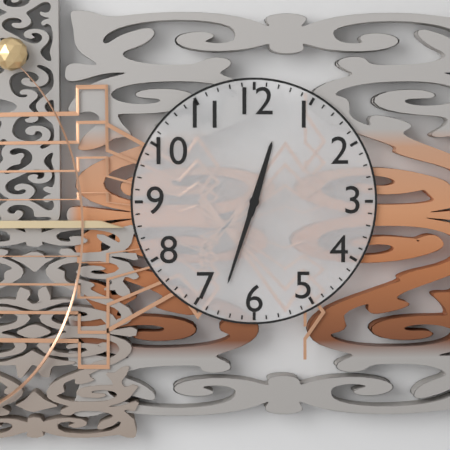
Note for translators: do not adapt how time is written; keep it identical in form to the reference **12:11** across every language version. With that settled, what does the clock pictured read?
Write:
**12:33**
